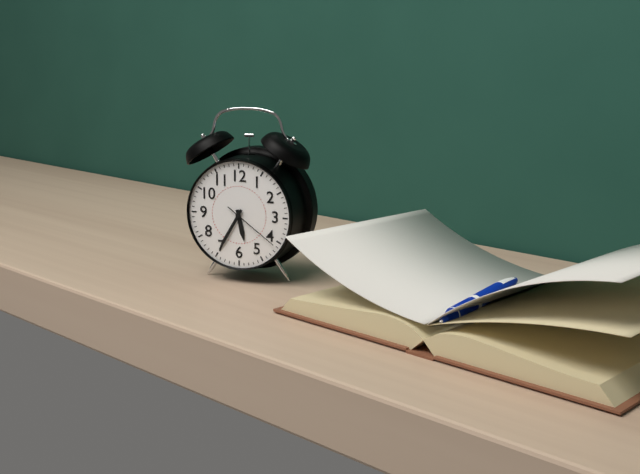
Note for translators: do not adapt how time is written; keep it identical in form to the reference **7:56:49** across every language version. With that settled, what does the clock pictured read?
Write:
**5:35:21**
